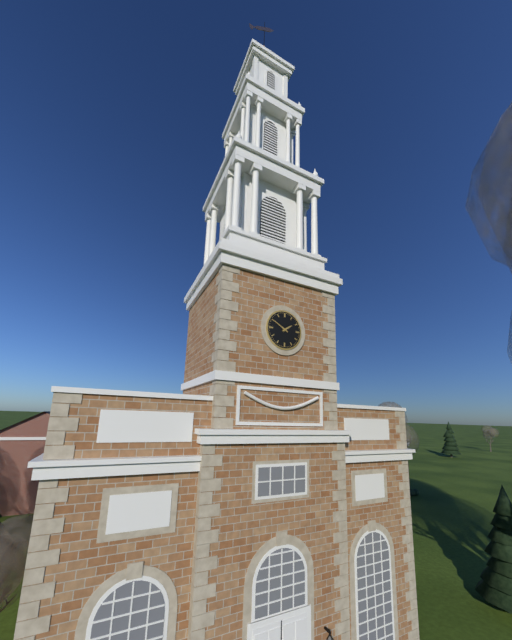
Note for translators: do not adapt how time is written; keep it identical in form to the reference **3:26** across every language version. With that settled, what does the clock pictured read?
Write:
**1:50**
